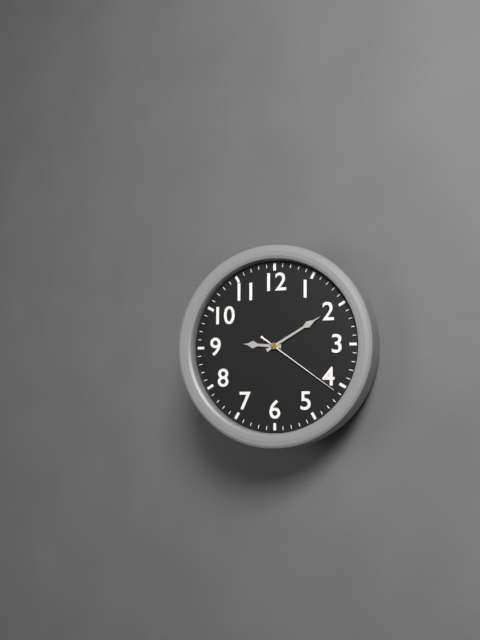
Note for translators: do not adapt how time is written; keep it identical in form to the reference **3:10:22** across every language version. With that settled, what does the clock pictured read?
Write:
**9:10:21**
